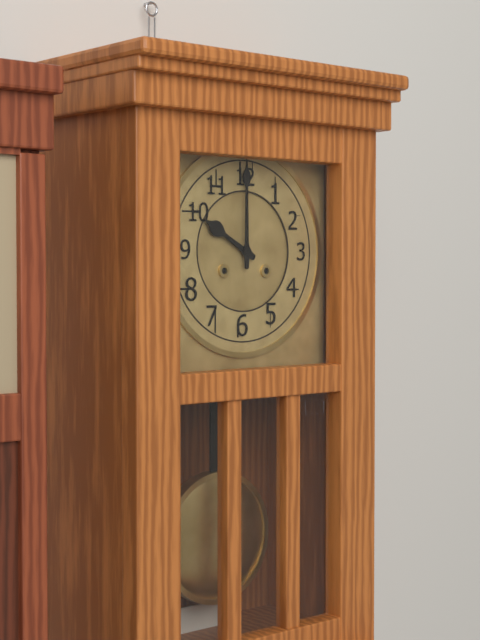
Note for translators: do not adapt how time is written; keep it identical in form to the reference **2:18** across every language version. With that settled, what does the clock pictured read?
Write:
**10:00**
